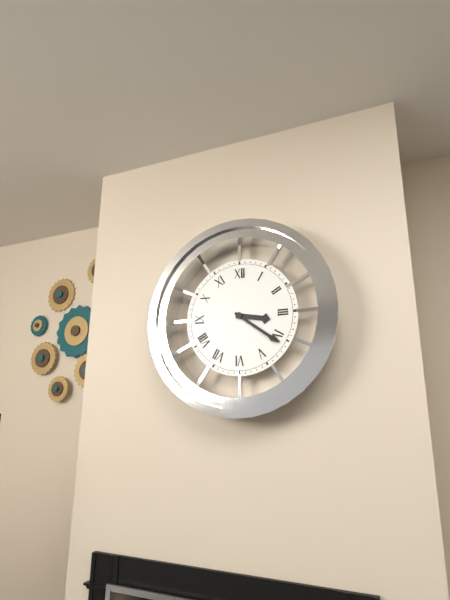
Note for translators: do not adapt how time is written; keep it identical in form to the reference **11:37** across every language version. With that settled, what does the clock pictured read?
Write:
**3:21**
